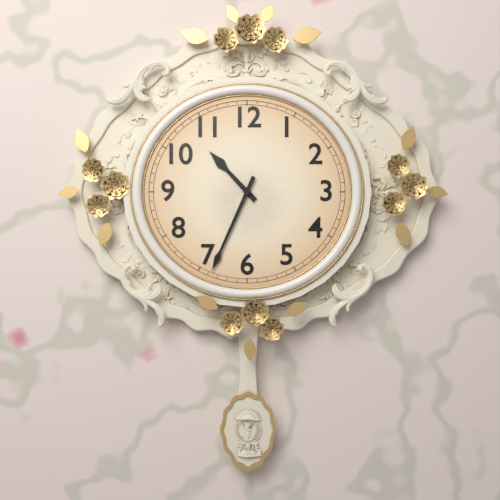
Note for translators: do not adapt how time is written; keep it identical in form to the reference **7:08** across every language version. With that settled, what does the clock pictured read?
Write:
**10:34**
